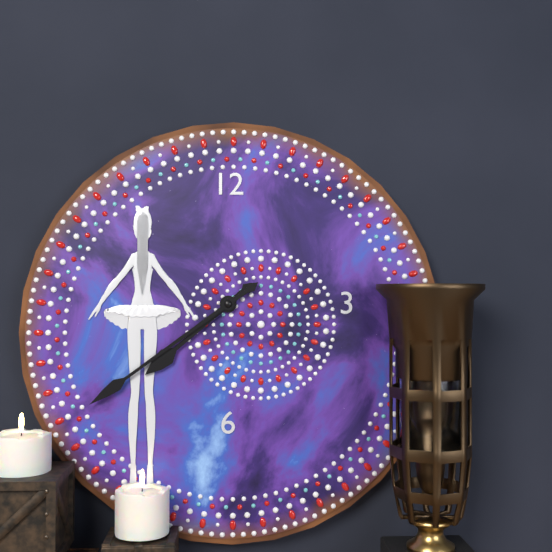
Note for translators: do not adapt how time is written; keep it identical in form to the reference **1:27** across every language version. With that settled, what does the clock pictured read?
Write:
**7:39**
